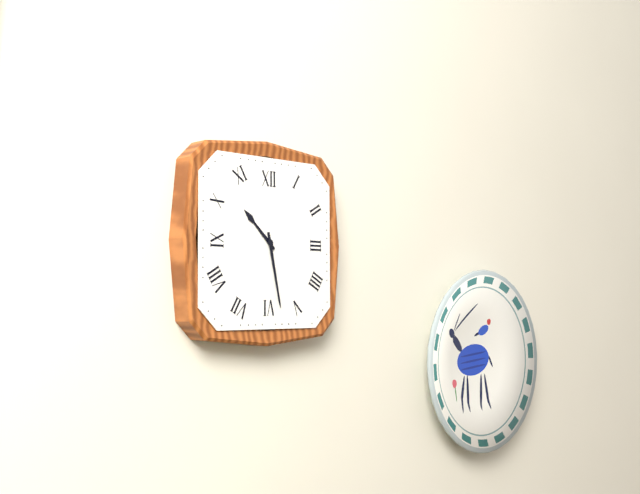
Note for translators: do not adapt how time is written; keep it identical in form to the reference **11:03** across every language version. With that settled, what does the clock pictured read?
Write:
**10:28**
